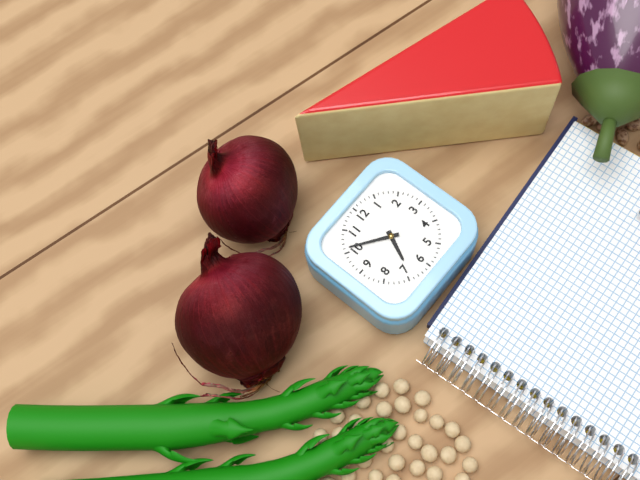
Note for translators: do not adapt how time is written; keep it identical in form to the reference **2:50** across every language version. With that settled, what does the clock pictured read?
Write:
**6:51**
